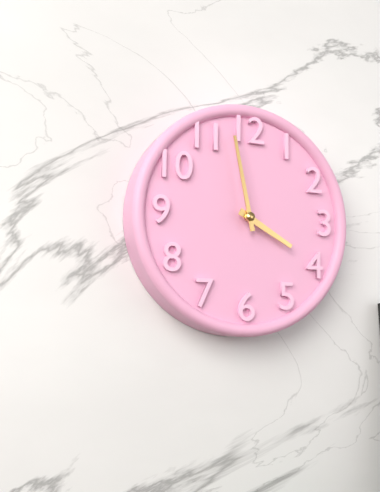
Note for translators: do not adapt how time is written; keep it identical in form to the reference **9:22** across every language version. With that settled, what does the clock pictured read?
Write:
**3:58**
